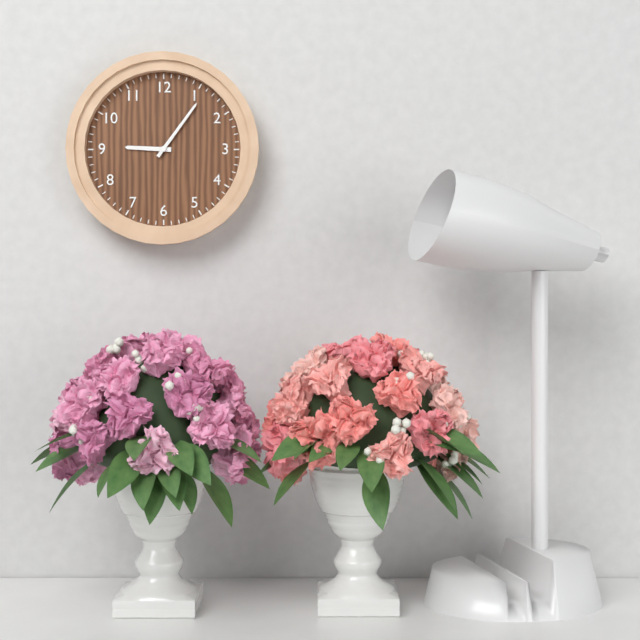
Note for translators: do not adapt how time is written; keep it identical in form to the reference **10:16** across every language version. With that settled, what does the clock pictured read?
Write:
**9:06**
